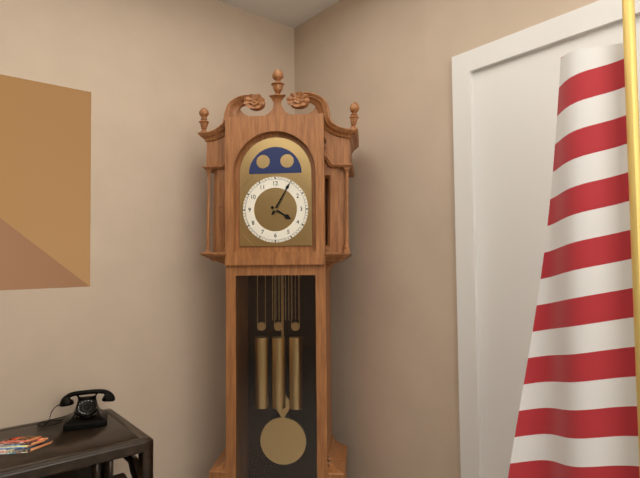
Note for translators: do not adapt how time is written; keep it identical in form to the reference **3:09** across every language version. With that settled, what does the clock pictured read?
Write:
**4:05**
